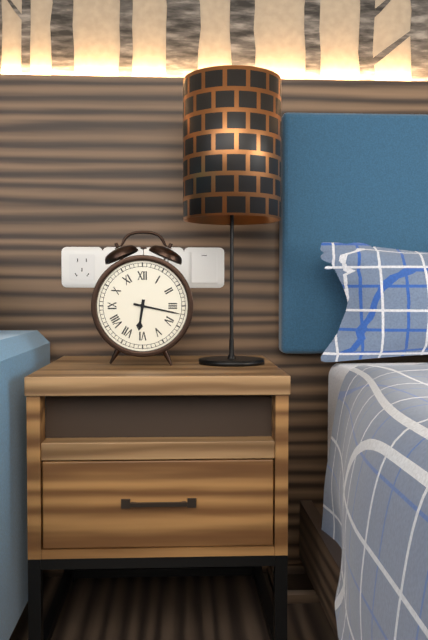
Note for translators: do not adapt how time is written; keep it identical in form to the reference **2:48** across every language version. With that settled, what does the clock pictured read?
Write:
**6:17**
